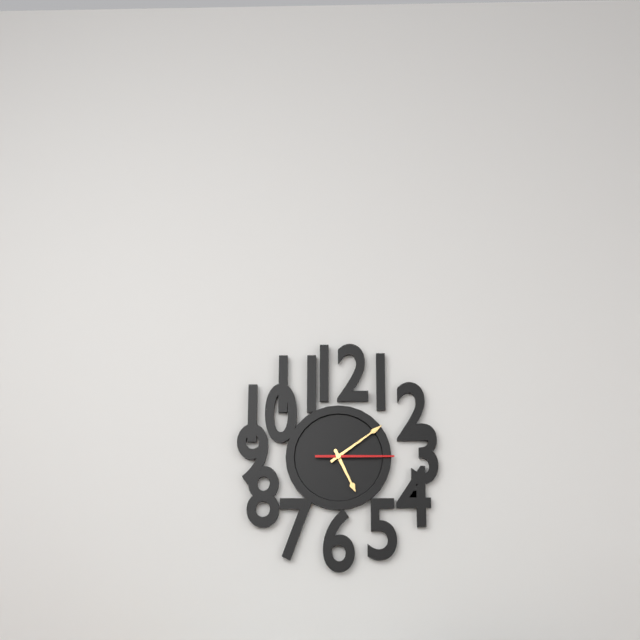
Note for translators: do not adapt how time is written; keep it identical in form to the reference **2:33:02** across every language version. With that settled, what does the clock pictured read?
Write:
**5:09:15**
